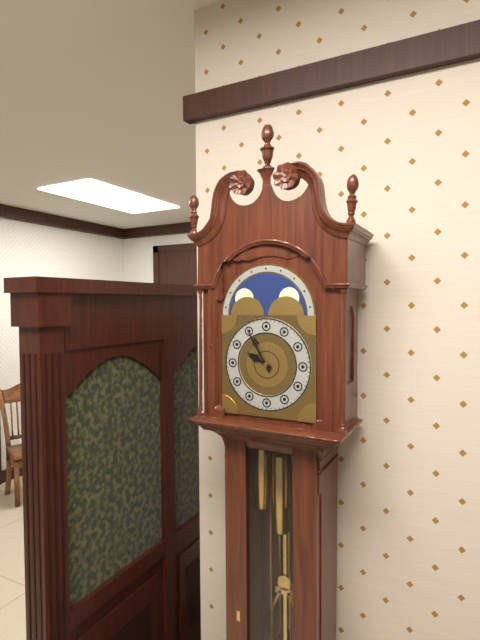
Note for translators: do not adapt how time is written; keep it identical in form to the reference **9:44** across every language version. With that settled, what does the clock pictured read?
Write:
**9:55**
